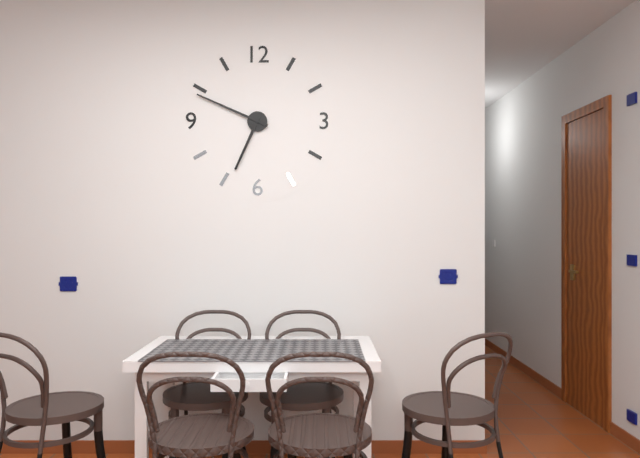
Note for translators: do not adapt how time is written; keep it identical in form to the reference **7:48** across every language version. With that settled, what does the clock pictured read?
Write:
**6:49**
